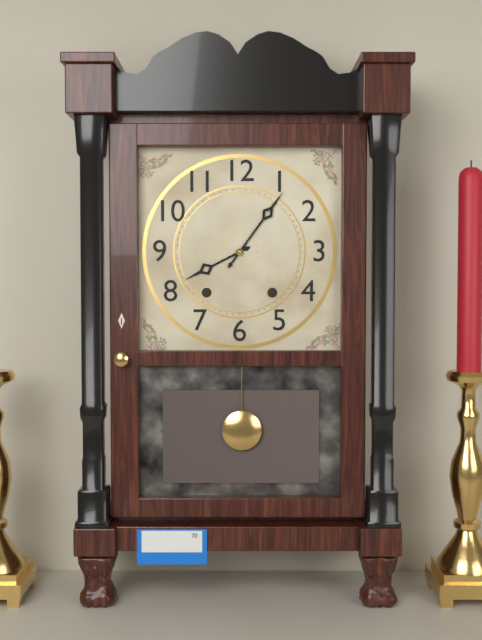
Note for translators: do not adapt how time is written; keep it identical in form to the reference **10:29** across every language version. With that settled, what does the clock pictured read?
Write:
**8:06**
